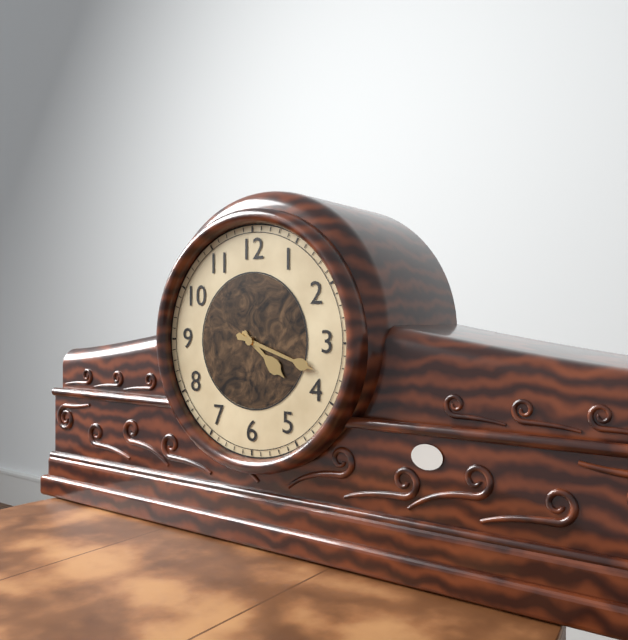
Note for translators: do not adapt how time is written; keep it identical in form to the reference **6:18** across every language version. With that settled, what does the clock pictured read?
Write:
**4:18**
